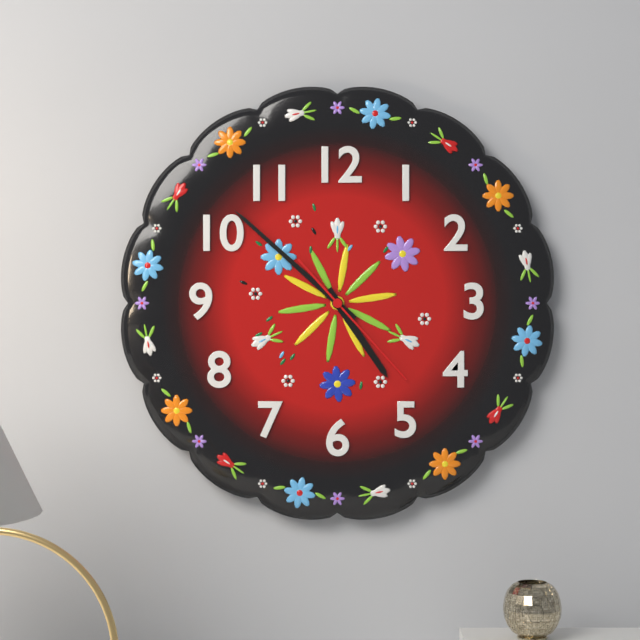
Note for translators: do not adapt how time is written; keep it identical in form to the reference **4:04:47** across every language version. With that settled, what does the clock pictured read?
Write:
**4:52:23**
